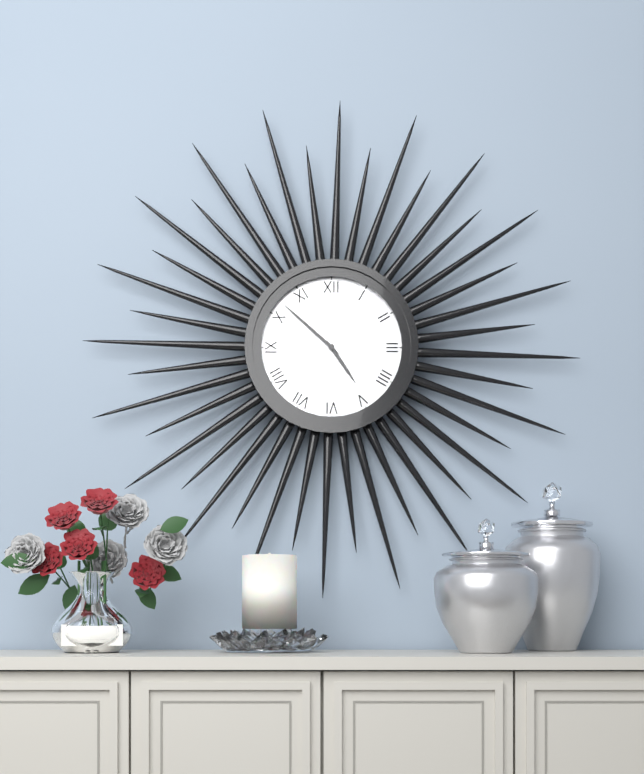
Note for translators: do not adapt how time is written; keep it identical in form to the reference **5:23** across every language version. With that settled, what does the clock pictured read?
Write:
**4:52**
